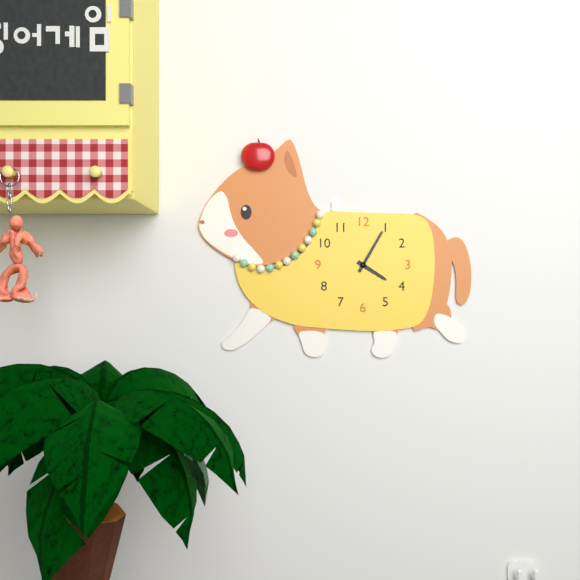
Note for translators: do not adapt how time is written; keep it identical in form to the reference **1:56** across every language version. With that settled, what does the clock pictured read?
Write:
**4:05**
